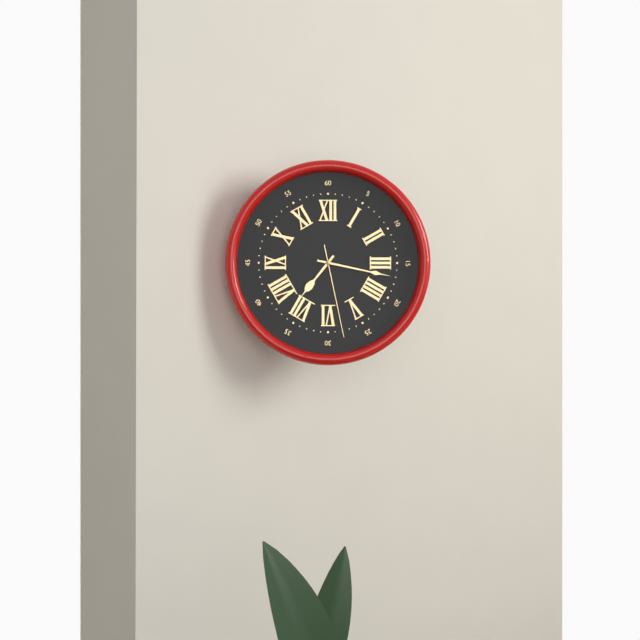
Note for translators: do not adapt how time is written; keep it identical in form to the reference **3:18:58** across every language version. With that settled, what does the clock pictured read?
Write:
**7:17:28**
